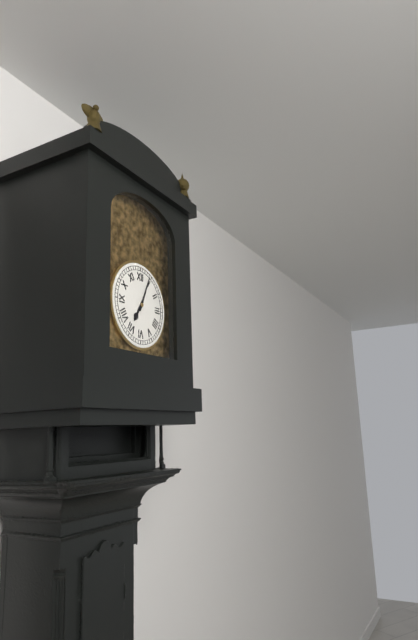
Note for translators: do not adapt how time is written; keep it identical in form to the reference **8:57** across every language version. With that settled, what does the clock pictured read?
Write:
**7:04**
